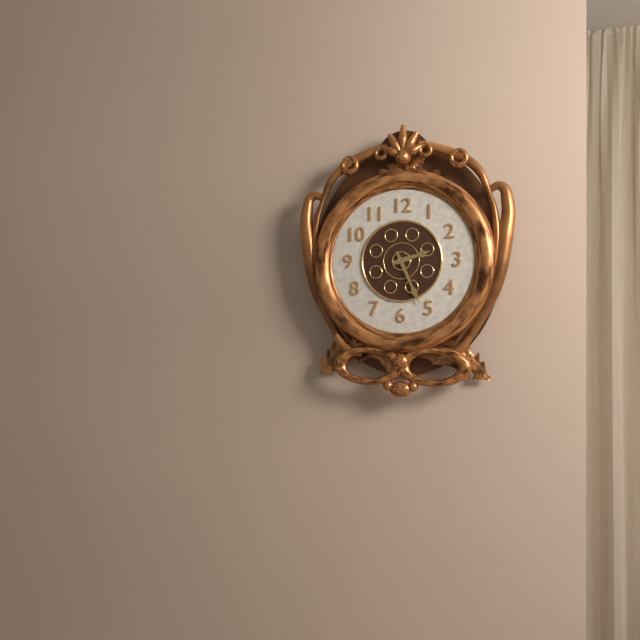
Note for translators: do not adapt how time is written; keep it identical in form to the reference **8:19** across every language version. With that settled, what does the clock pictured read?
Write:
**2:26**
